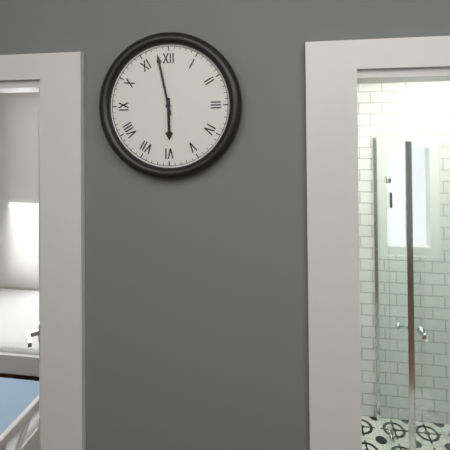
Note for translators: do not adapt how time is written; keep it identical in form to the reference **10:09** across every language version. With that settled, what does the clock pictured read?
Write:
**5:58**
